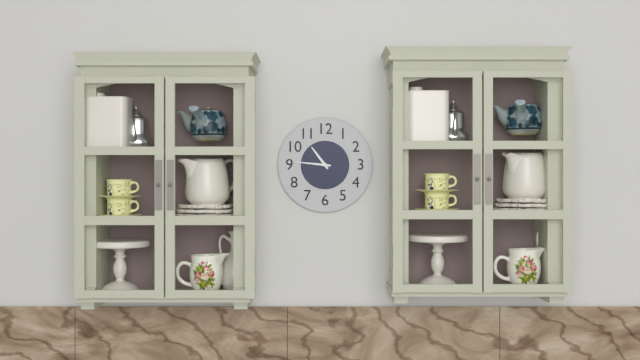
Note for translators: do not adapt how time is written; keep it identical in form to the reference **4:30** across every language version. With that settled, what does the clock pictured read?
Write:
**10:46**
